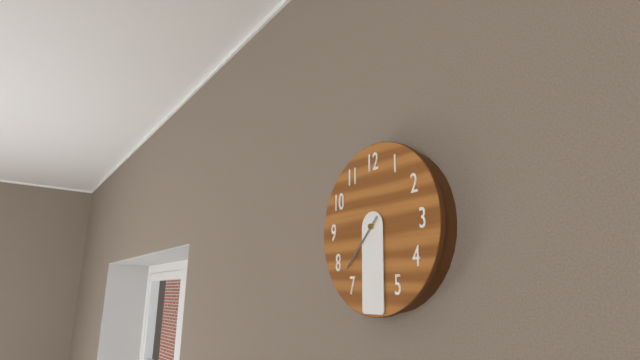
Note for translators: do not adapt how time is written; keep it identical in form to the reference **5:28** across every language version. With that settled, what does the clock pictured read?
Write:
**7:30**
